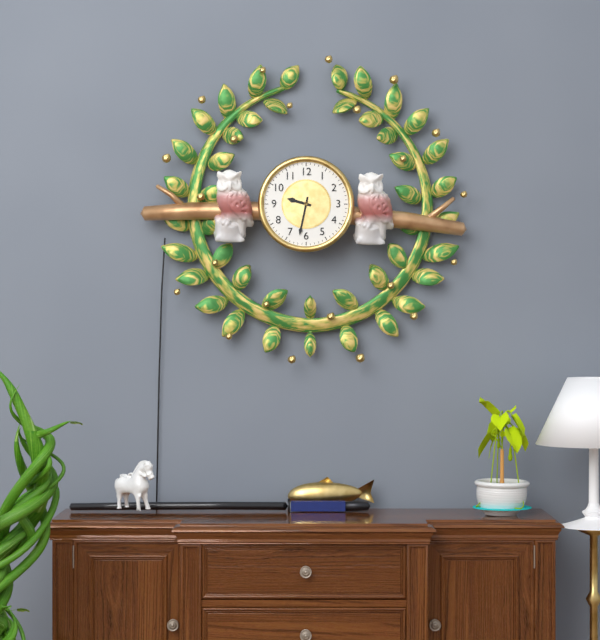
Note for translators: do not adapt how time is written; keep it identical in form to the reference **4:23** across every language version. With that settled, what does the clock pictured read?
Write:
**9:32**
